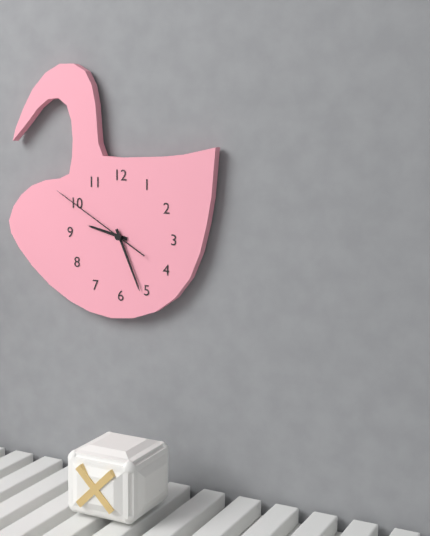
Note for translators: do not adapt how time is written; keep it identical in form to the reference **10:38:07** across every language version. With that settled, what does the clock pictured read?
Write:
**9:26:50**
